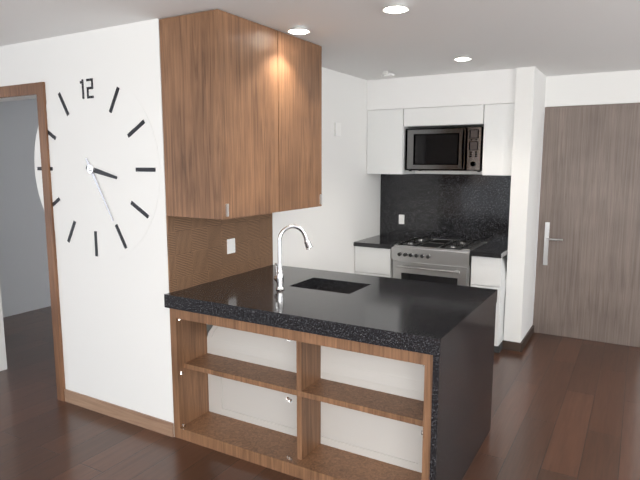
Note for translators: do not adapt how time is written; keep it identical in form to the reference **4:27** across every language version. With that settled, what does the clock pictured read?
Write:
**3:25**
